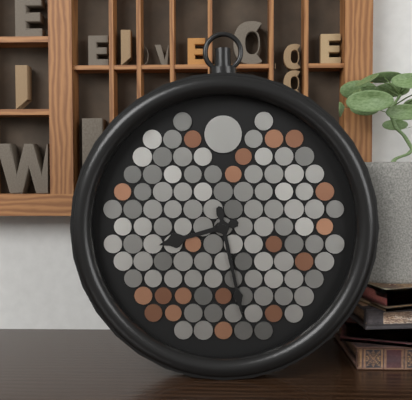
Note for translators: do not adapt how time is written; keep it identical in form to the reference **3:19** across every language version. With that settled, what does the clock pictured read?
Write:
**8:28**
